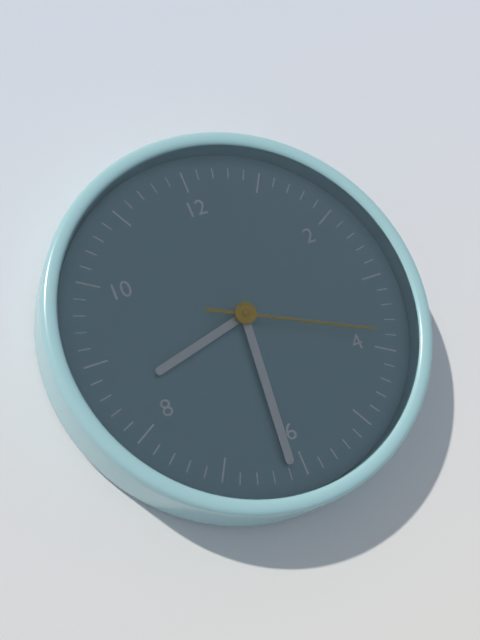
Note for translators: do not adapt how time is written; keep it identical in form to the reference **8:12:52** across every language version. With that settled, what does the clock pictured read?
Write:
**8:31:19**
